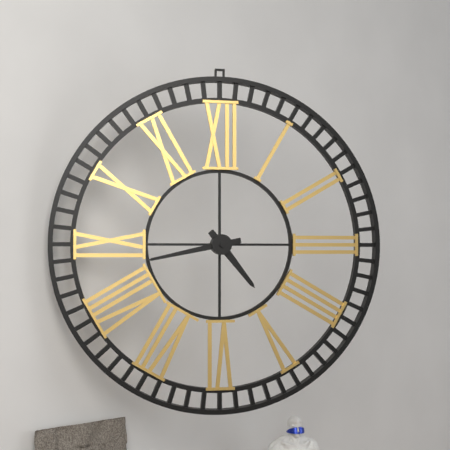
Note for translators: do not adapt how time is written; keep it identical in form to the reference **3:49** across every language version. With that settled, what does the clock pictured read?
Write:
**4:43**
